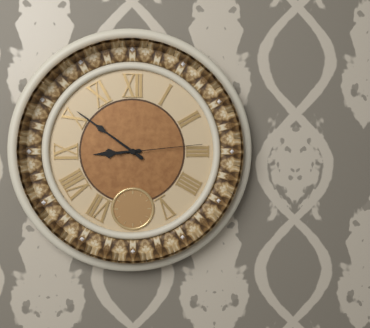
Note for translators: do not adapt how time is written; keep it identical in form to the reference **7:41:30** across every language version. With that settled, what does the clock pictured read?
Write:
**8:51:14**
